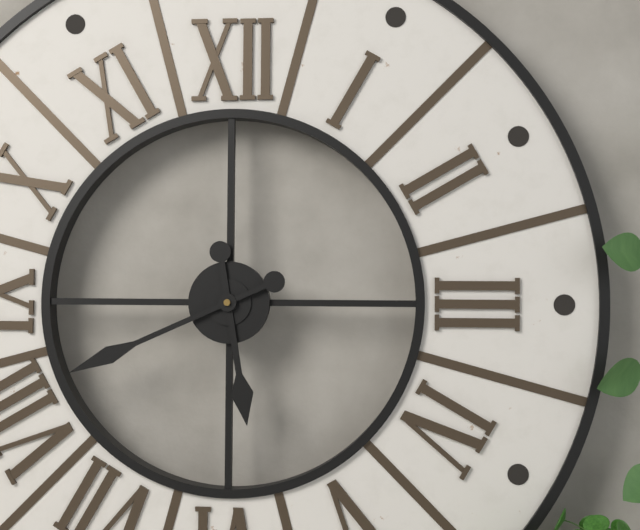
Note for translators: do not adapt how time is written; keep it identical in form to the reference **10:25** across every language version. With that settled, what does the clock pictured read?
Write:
**5:41**
